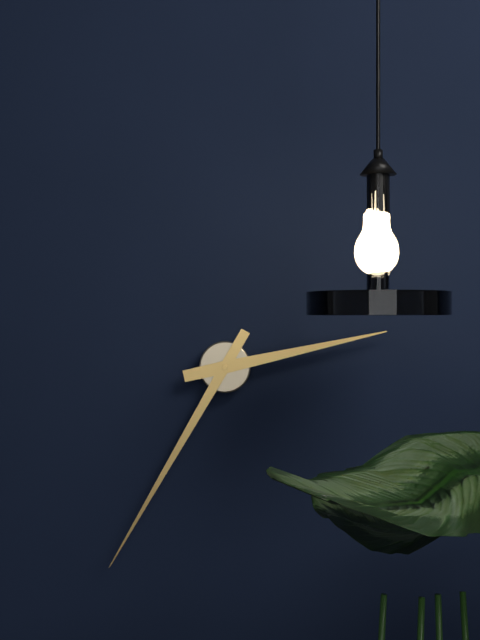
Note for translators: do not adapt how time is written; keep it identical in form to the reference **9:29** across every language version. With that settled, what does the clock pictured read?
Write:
**2:35**
